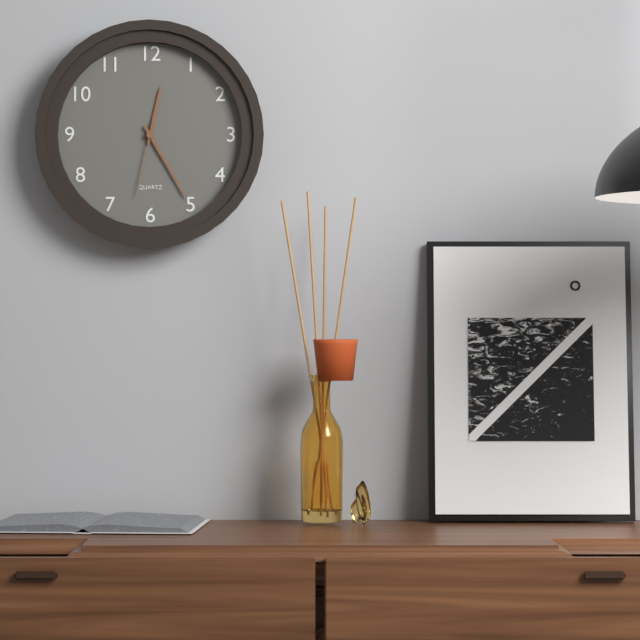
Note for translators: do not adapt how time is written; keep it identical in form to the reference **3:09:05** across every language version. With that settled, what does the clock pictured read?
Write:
**12:25:32**
